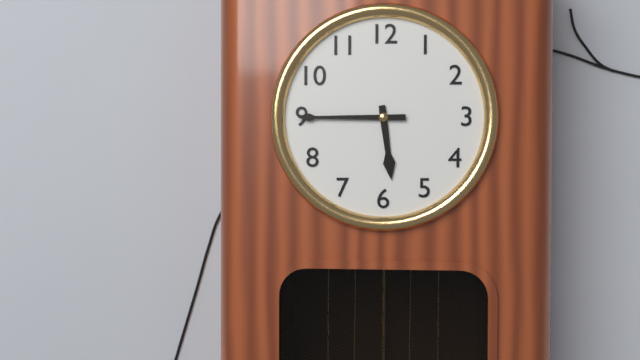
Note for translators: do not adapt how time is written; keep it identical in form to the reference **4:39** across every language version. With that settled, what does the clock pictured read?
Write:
**5:45**
